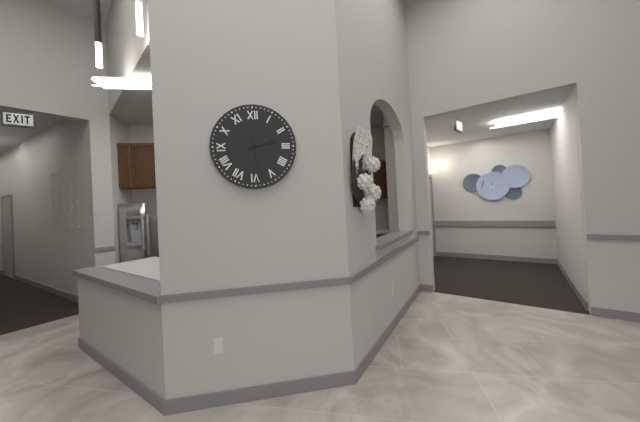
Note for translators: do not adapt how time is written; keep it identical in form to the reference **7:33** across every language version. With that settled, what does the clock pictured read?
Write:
**2:29**
